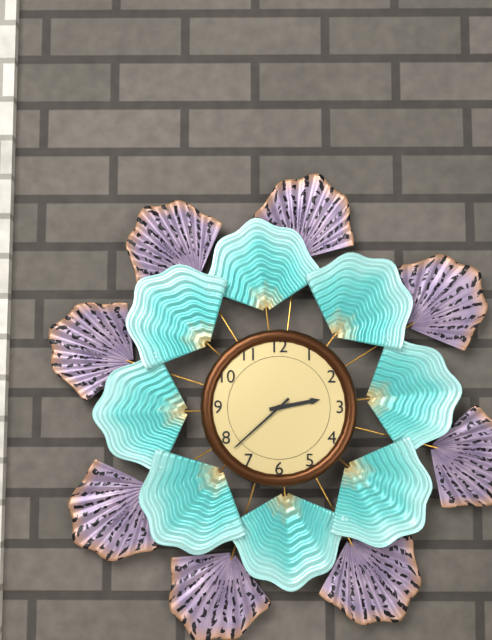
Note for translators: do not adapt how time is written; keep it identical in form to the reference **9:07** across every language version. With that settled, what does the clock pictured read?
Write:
**2:38**
